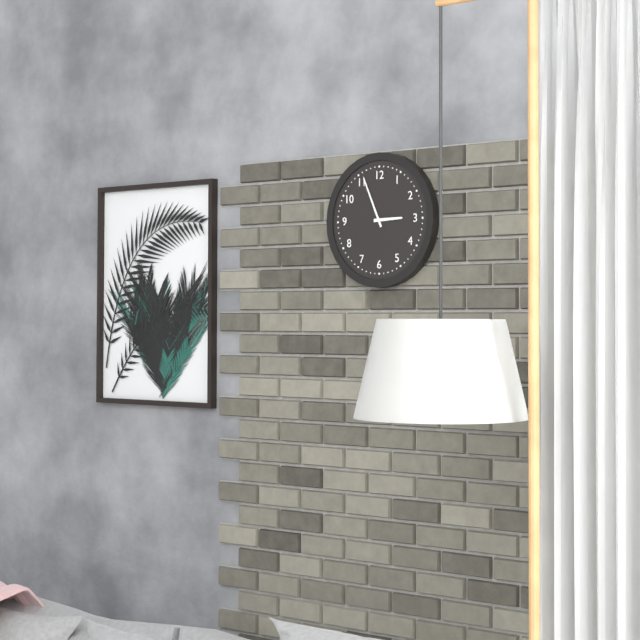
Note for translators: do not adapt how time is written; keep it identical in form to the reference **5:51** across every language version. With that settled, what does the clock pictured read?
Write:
**2:56**
